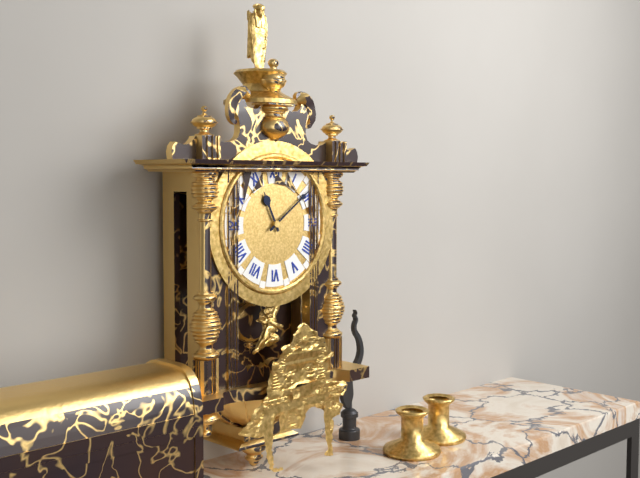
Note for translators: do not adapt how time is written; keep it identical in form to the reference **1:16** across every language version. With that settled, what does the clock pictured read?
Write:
**11:09**
